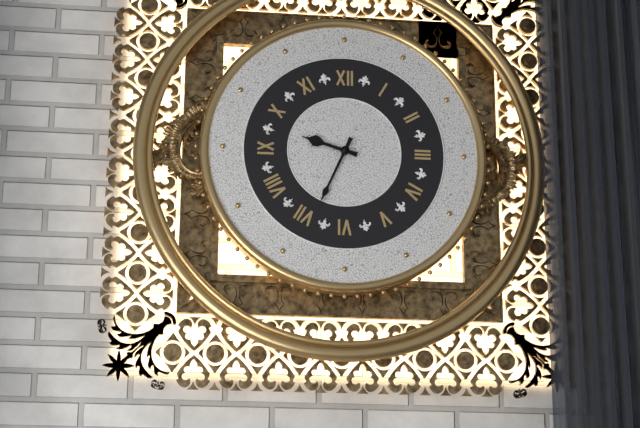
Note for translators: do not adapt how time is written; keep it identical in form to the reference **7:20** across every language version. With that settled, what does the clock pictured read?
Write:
**9:34**
